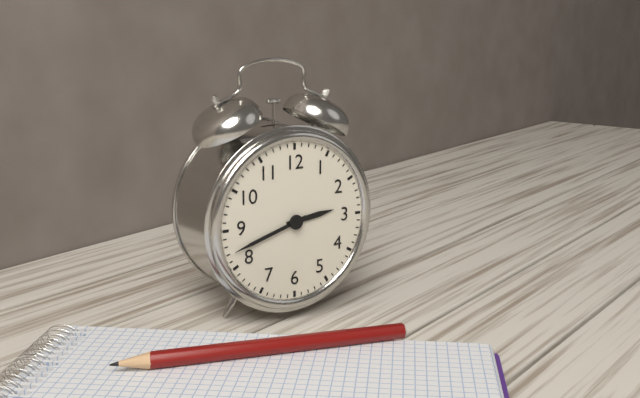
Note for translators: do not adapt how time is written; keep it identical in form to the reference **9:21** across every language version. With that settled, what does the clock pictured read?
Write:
**2:42**
